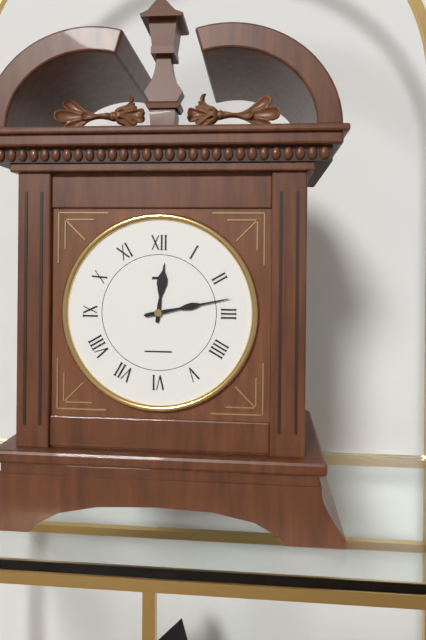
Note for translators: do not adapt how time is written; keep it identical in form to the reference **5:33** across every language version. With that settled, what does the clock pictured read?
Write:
**12:13**
